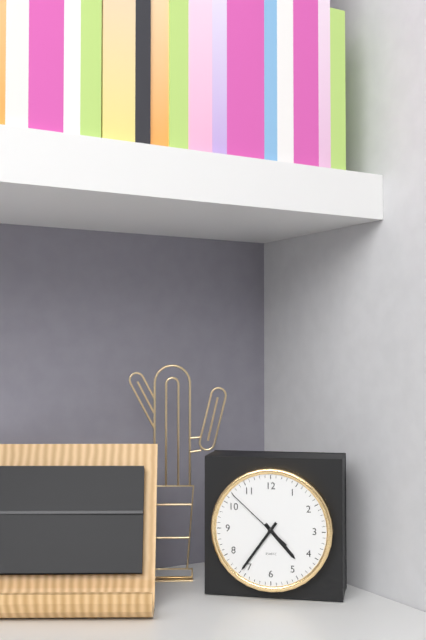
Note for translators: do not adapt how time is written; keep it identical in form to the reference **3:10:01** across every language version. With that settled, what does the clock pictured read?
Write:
**4:36:52**
